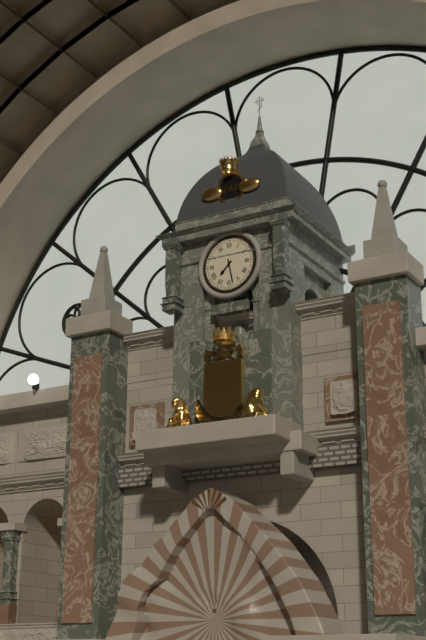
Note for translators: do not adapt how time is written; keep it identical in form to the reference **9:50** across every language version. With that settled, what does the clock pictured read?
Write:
**7:28**
